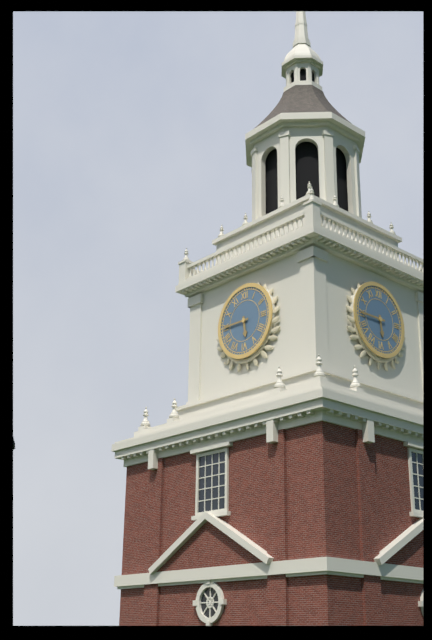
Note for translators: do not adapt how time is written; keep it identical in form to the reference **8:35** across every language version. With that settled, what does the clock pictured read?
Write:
**5:45**
